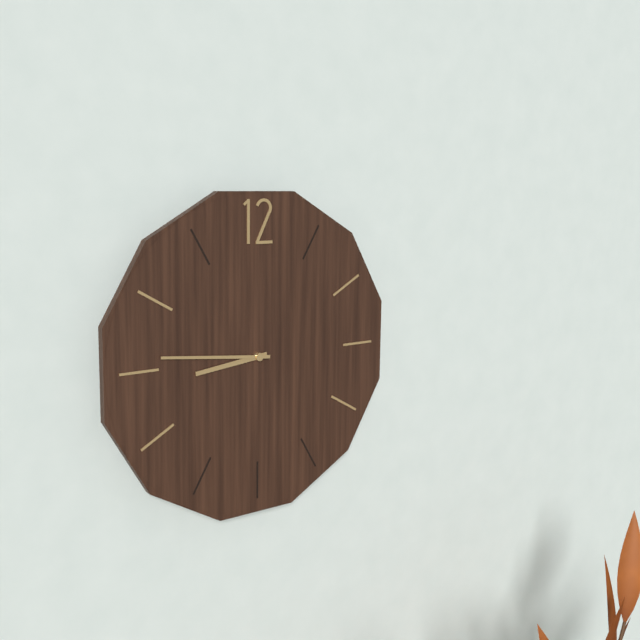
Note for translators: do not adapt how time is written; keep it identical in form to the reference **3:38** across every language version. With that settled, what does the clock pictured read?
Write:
**8:46**
